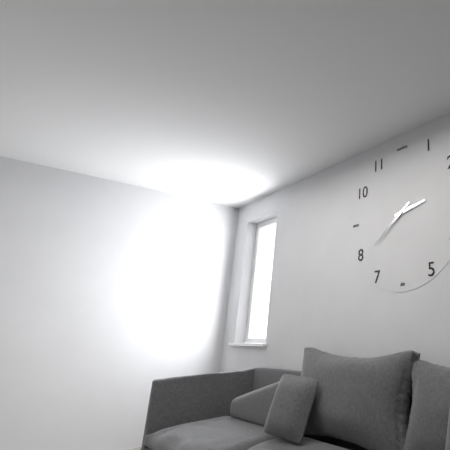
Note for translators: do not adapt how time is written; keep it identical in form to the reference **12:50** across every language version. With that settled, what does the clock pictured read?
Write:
**2:39**
